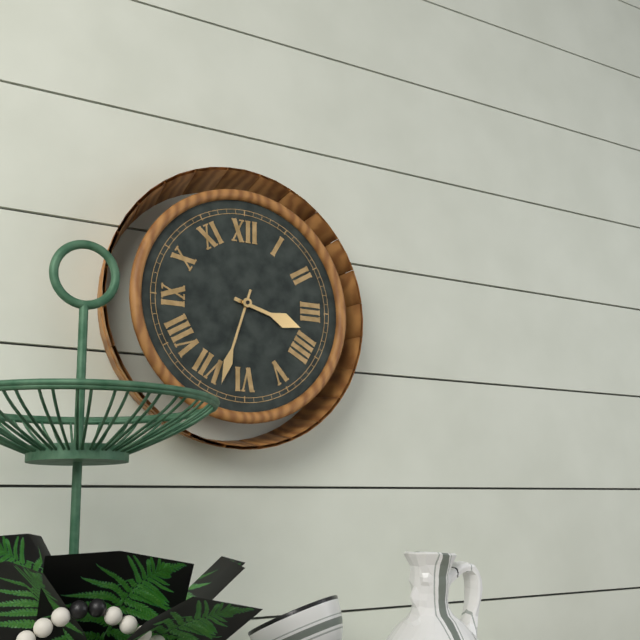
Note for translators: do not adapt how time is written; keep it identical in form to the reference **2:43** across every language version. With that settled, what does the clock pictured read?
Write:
**3:33**
